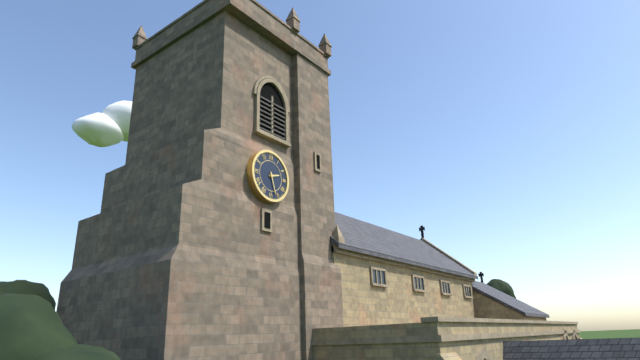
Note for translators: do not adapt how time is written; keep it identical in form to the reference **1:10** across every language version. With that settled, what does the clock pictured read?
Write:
**2:27**
